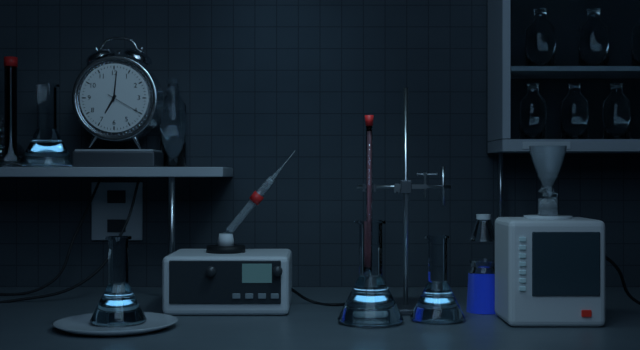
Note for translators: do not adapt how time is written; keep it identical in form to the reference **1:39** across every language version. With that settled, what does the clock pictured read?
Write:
**7:01**
